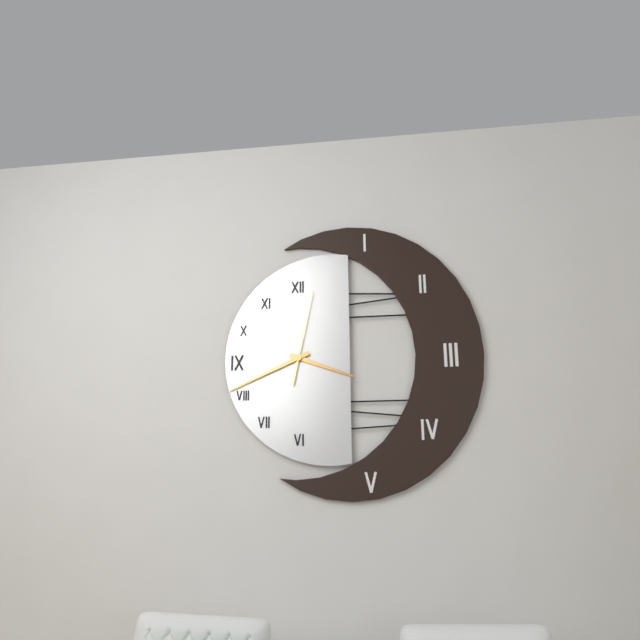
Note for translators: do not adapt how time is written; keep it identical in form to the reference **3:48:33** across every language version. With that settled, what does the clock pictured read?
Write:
**3:41:02**
